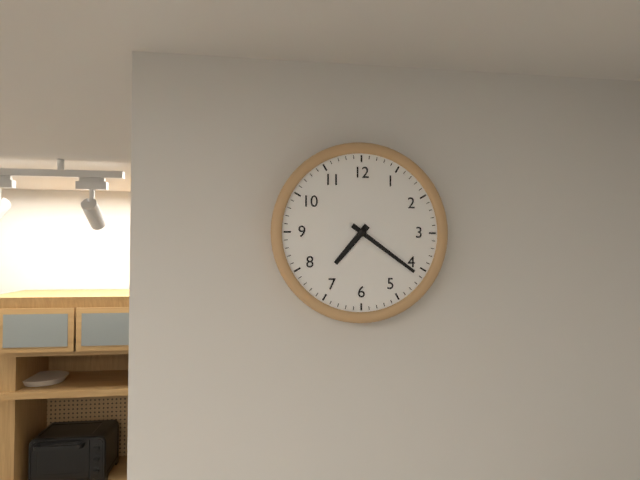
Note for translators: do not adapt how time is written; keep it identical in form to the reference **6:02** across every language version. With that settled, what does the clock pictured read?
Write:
**7:21**
